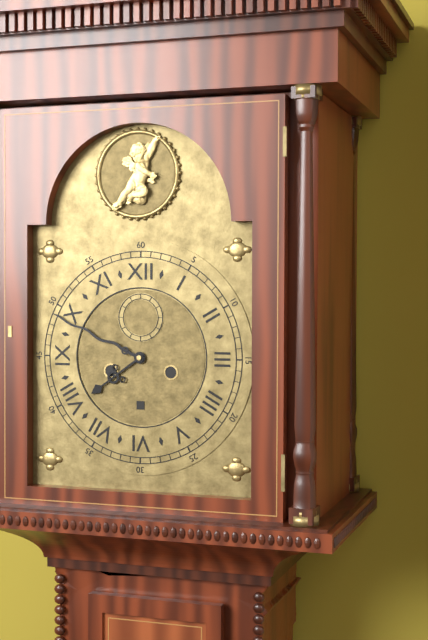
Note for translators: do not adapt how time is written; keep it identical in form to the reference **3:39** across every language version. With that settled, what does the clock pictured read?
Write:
**7:49**
